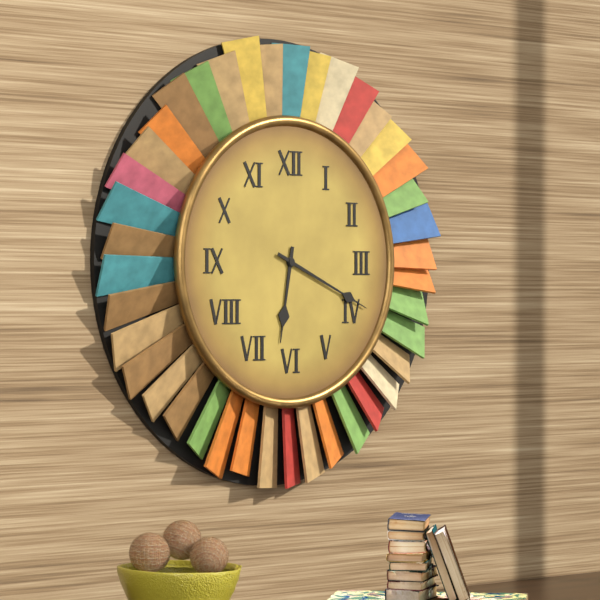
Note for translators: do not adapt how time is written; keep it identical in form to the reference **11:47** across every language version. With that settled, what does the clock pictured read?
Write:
**6:19**
